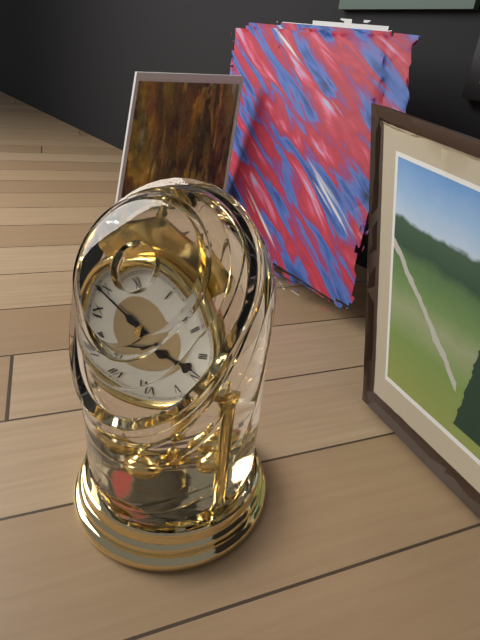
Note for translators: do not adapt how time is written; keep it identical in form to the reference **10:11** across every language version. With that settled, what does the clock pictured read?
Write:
**3:49**
